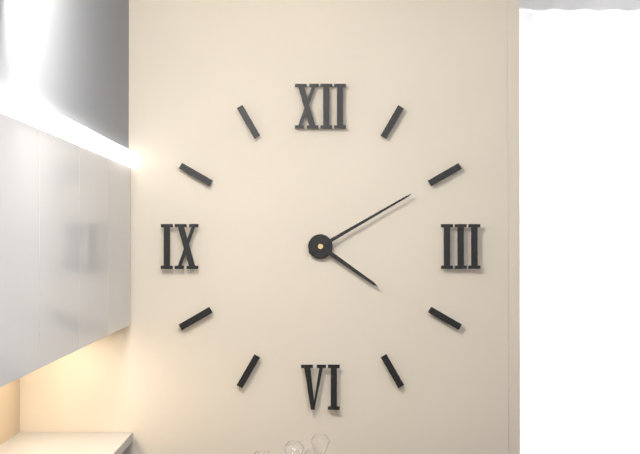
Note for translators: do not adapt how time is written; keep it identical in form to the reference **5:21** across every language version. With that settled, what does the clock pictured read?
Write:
**4:10**
